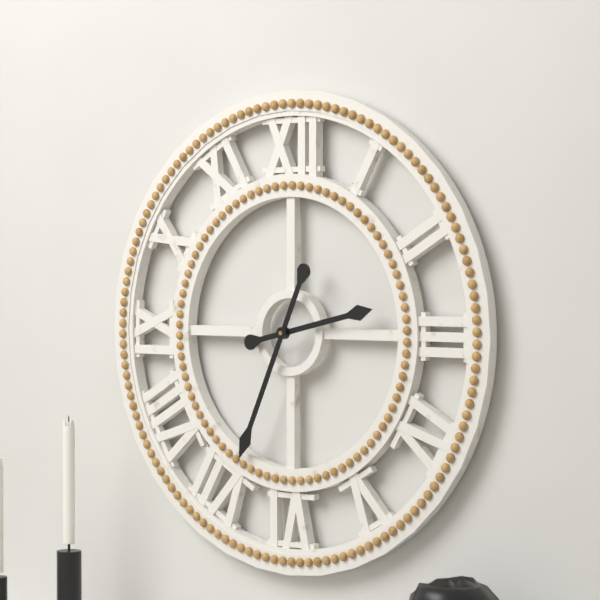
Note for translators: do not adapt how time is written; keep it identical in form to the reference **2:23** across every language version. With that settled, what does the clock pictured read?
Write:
**2:34**
